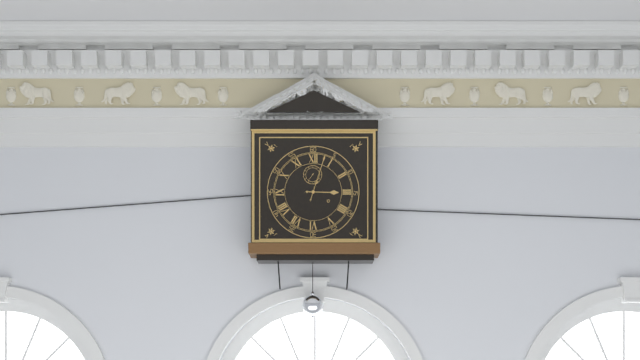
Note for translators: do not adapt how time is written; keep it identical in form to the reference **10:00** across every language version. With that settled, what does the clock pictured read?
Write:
**3:03**
